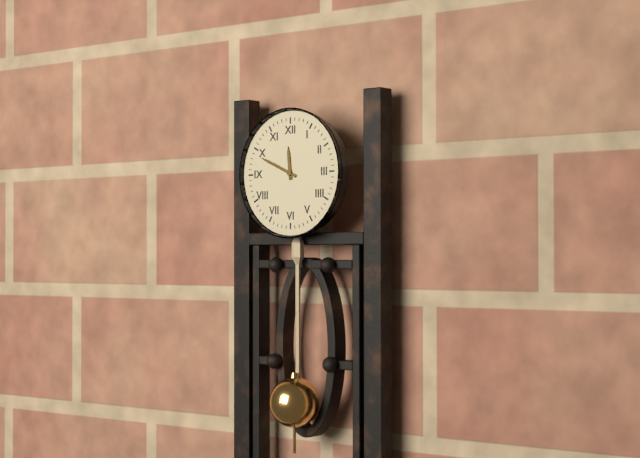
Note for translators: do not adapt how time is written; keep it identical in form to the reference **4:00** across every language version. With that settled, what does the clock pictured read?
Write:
**11:49**
